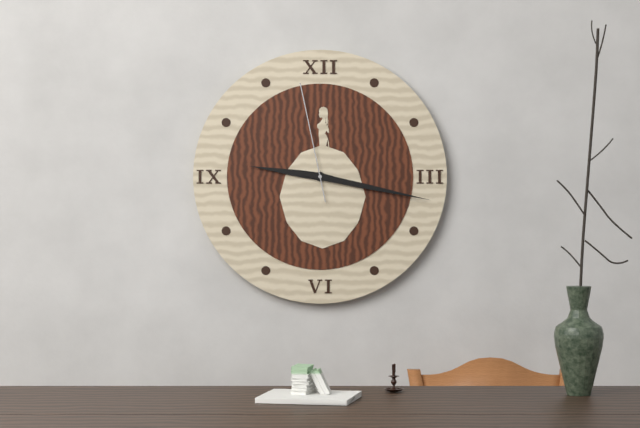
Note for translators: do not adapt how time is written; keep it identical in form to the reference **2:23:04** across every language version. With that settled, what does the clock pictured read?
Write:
**9:17:58**
